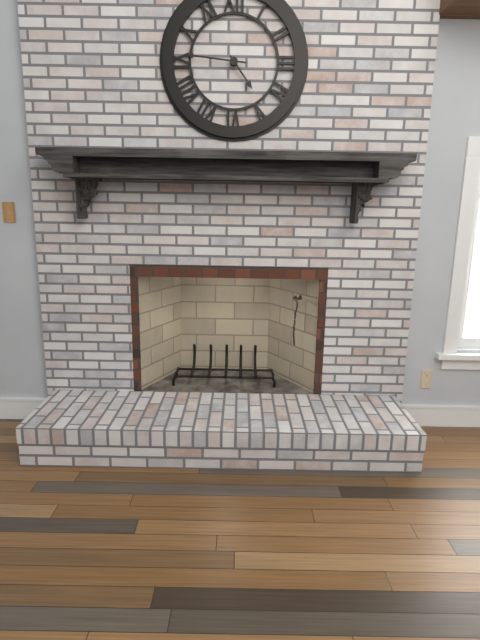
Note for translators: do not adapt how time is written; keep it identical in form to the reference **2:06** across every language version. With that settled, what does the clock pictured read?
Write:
**4:46**
